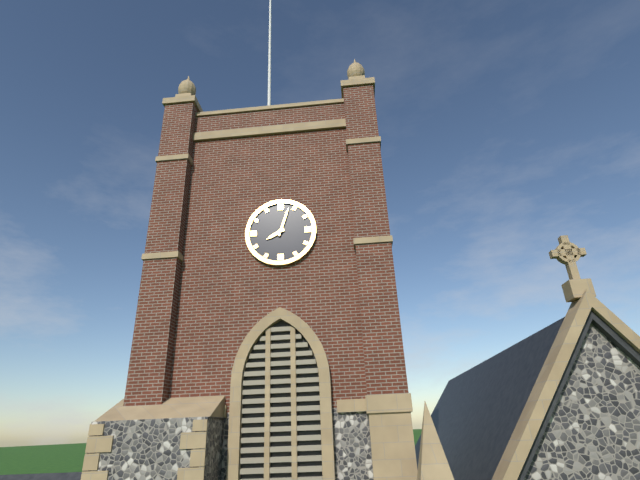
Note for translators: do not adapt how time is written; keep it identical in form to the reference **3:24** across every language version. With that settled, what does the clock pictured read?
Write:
**8:03**
